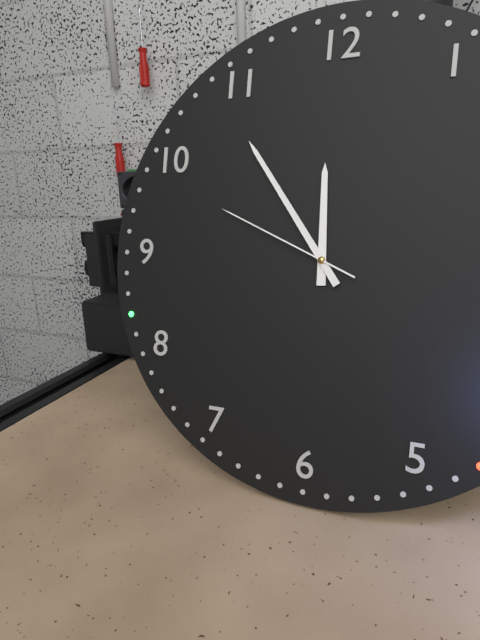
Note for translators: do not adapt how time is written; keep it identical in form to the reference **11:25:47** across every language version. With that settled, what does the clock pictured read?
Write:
**11:54:49**
